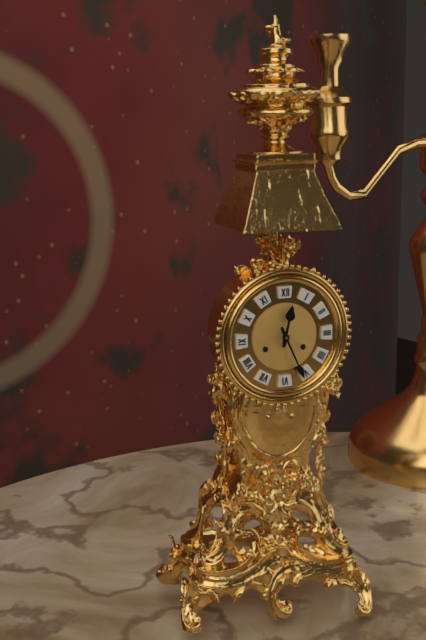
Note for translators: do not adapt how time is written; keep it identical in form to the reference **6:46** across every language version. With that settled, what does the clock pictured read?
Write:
**12:26**
